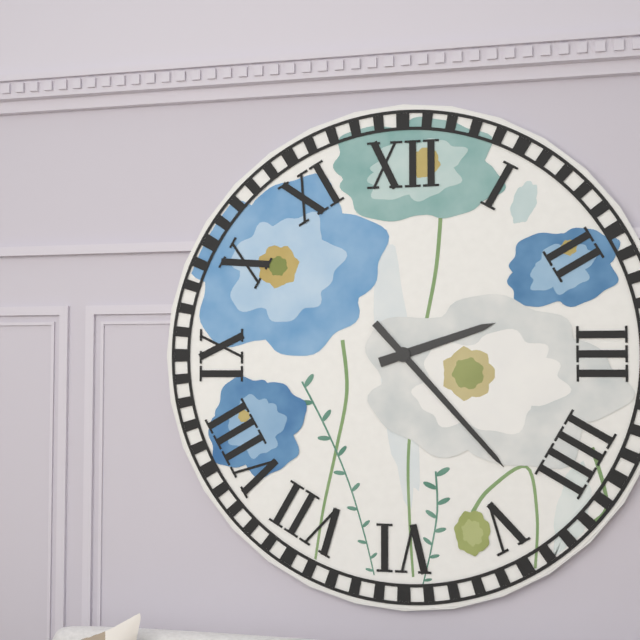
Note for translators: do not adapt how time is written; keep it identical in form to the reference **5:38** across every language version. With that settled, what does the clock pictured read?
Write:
**2:23**
